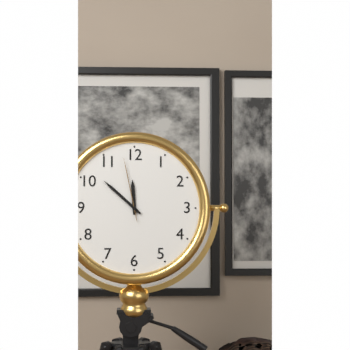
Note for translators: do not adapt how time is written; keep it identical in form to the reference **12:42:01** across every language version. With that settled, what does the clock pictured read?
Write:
**11:52:58**
